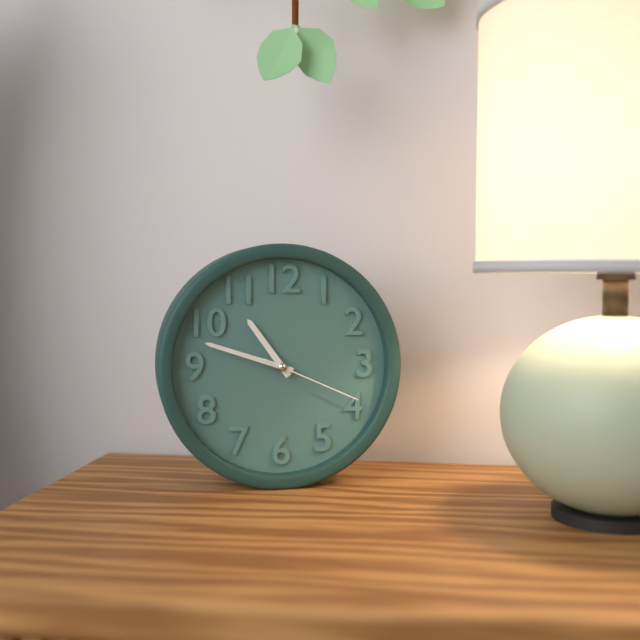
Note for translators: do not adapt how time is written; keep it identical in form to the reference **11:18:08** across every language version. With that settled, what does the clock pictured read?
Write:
**10:48:19**
